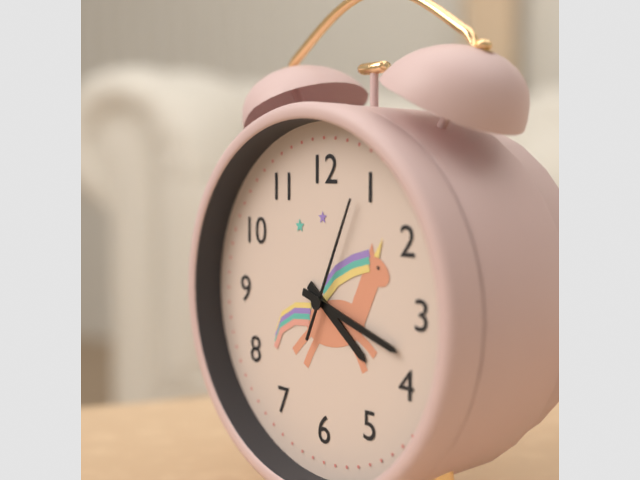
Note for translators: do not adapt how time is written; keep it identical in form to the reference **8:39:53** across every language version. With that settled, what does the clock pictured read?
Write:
**4:18:04**
